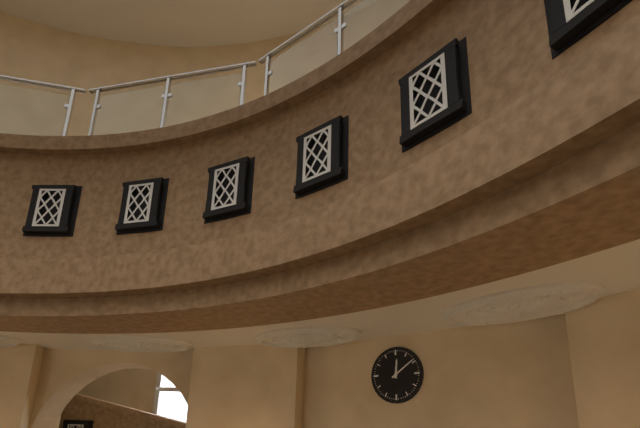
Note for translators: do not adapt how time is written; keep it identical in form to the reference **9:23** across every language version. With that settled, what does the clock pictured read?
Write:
**12:09**
